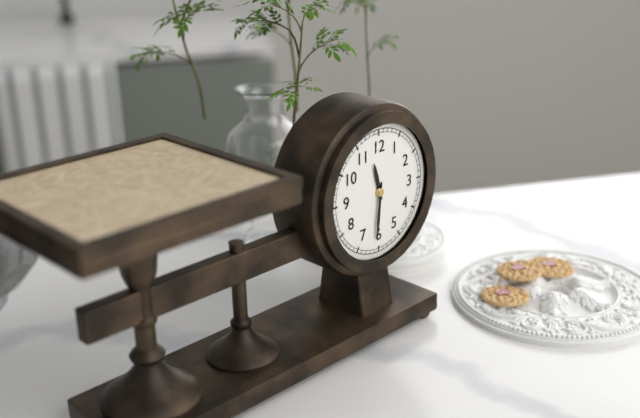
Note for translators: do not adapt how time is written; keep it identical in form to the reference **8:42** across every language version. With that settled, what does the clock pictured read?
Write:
**11:31**
